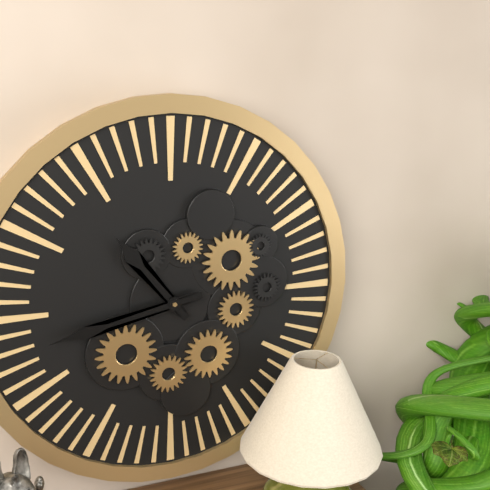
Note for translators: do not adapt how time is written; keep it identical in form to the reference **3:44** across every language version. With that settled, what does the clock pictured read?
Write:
**10:43**
